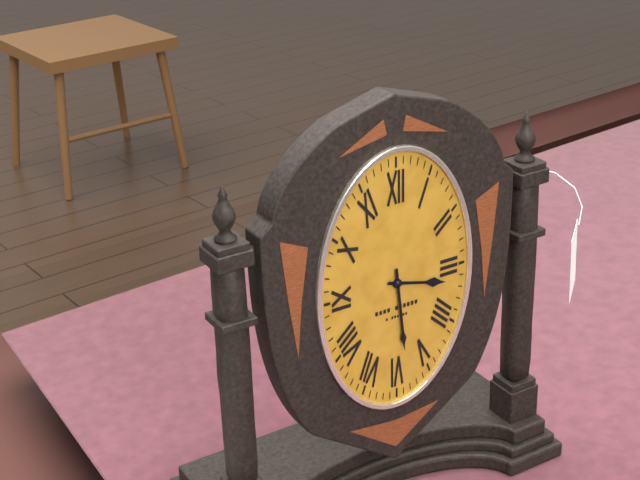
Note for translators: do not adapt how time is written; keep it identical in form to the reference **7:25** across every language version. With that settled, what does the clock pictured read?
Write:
**3:29**
